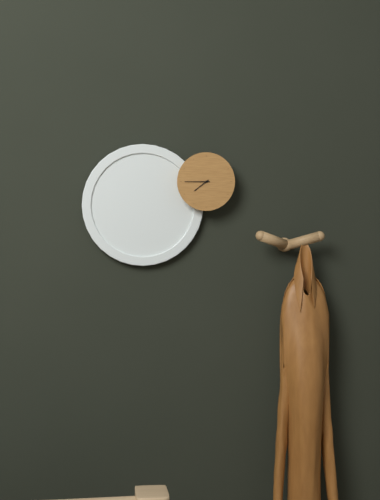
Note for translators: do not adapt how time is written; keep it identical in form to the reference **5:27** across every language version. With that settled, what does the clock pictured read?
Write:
**7:45**
